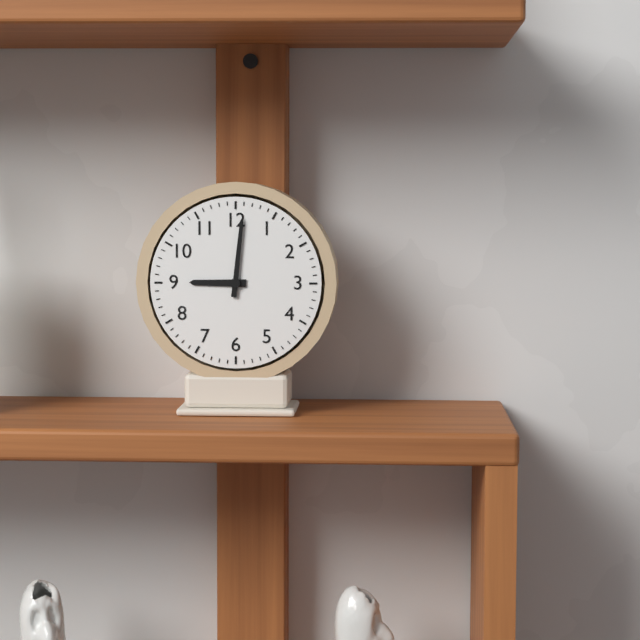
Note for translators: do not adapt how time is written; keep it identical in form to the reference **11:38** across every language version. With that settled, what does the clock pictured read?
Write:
**9:01**
